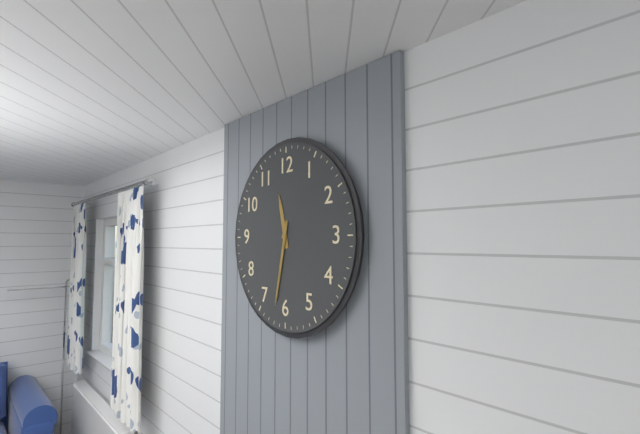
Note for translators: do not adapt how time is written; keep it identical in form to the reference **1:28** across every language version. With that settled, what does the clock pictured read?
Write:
**11:32**
